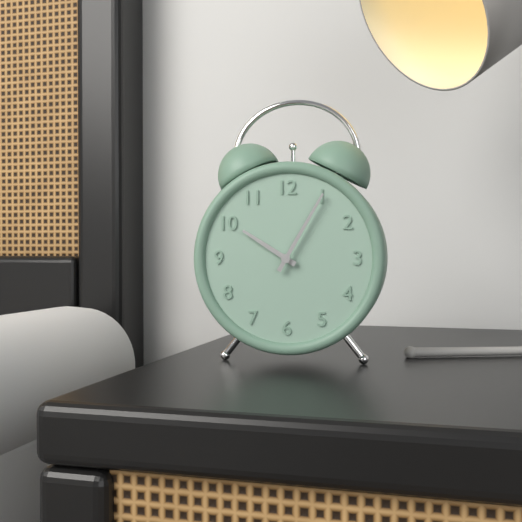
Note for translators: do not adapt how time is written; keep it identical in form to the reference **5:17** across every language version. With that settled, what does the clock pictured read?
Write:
**10:05**
